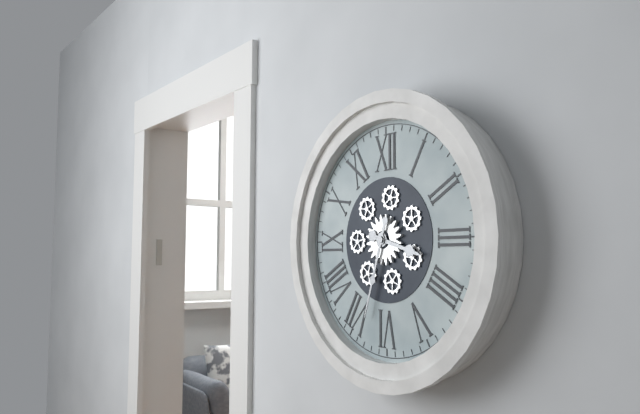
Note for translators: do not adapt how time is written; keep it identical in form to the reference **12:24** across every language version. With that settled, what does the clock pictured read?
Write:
**3:33**
